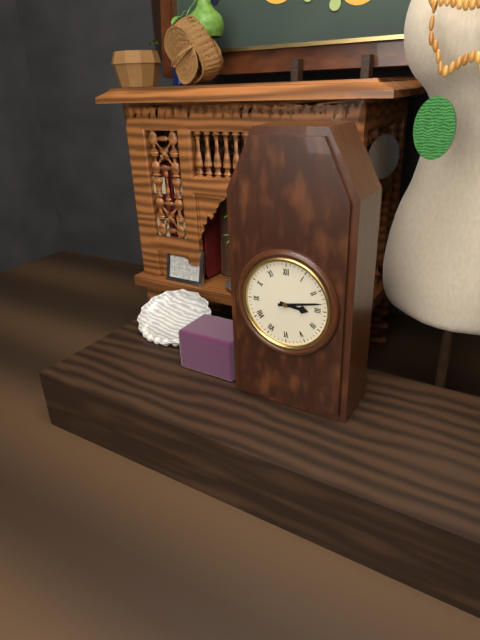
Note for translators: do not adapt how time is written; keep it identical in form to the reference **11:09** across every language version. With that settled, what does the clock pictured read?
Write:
**3:13**
